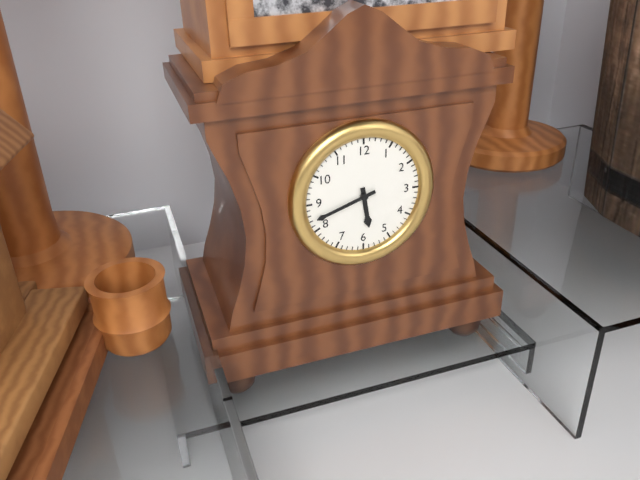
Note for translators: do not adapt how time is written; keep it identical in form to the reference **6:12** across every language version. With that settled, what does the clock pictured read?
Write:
**5:42**
